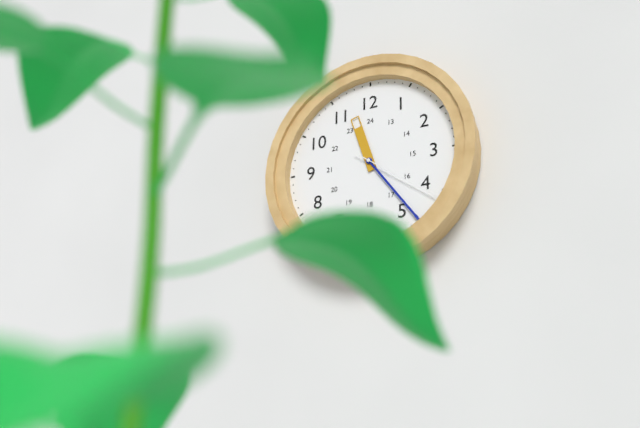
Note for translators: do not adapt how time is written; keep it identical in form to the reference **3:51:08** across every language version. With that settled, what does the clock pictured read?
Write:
**11:24:21**
